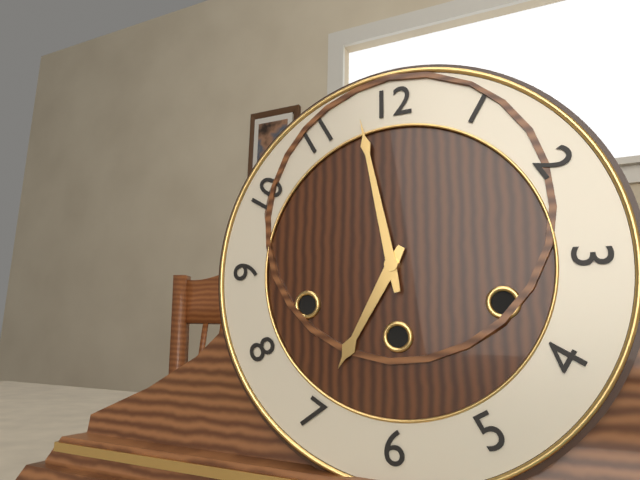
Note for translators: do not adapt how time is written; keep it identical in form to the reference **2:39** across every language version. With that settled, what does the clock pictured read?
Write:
**6:58**
